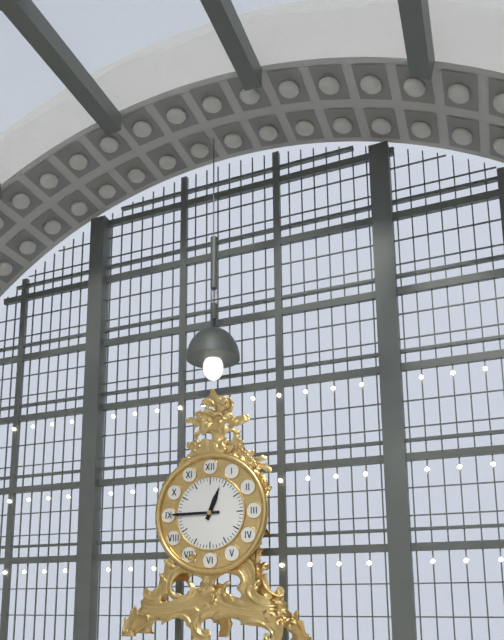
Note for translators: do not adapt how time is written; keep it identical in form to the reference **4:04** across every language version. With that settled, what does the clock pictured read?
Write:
**12:45**
